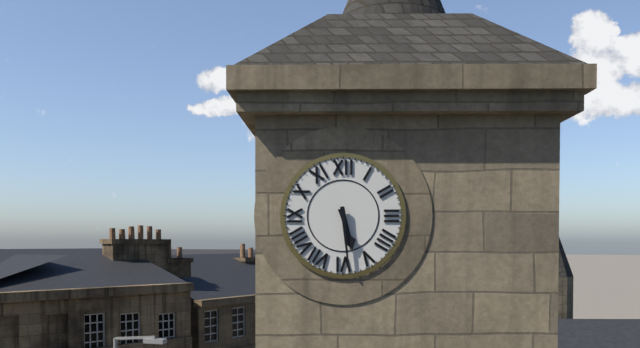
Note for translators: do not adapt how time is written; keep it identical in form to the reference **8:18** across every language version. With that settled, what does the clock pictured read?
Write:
**5:29**
